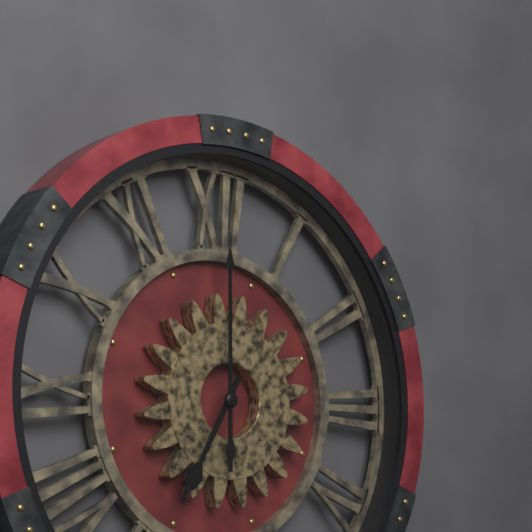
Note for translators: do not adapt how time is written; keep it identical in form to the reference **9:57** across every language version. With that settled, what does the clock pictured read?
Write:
**7:00**
